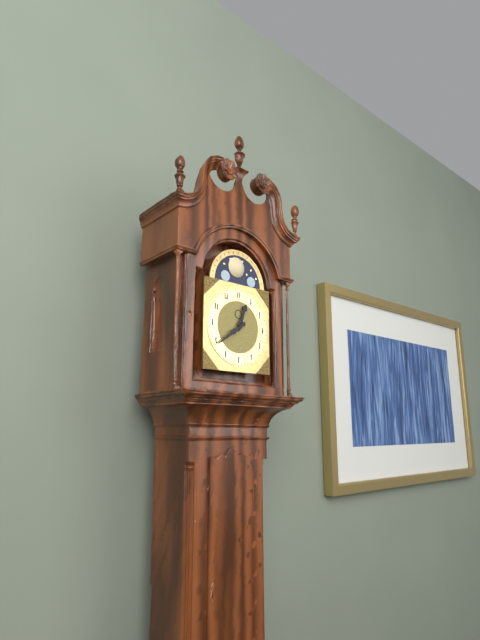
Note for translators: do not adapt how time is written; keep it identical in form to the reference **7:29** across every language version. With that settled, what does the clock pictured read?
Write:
**12:39**
